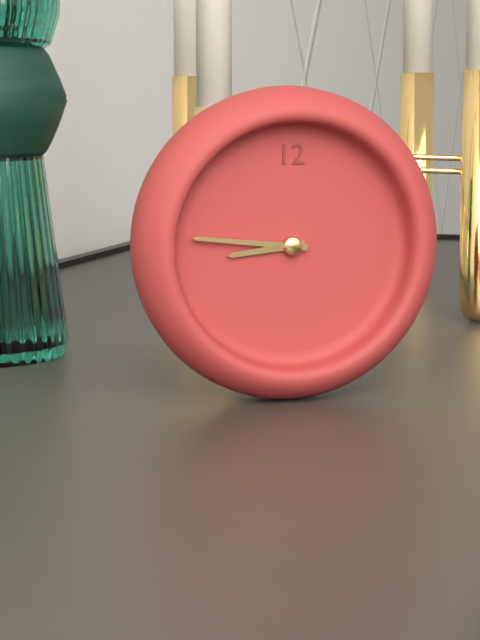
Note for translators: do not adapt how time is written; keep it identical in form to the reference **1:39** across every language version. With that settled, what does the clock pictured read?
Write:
**8:46**
